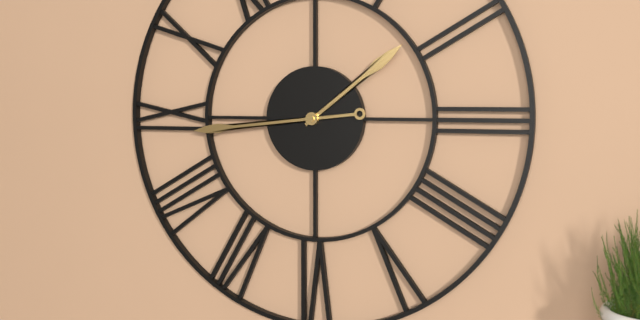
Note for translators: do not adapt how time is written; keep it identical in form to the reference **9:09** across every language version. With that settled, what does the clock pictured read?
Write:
**1:44**
